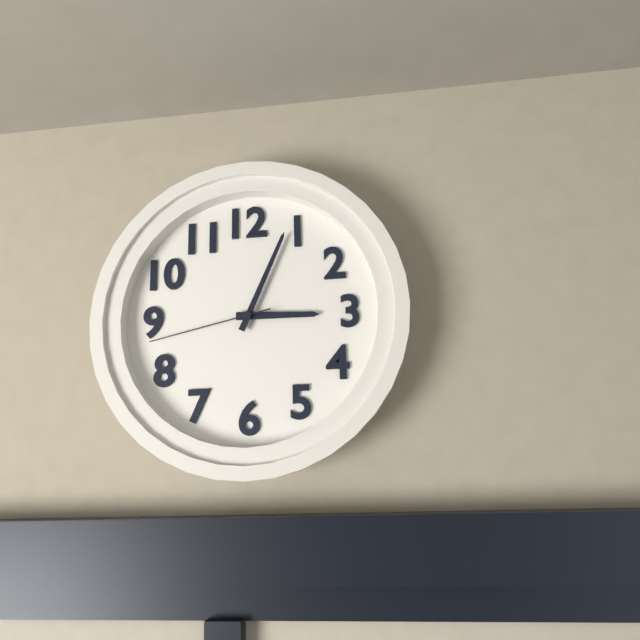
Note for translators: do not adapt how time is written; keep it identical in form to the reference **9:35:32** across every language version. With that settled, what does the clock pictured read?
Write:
**3:04:43**
